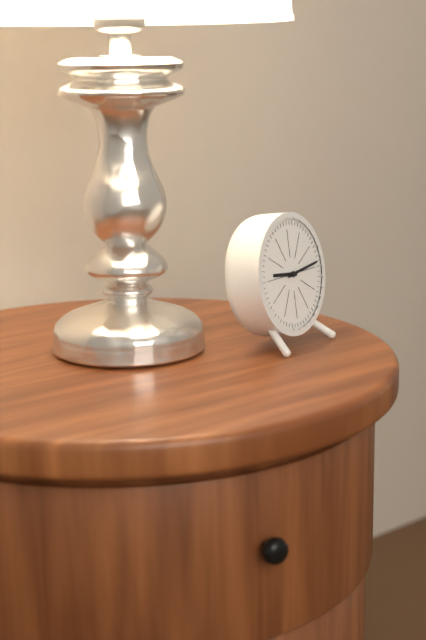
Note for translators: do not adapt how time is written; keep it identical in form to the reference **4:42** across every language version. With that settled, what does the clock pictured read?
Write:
**9:14**
